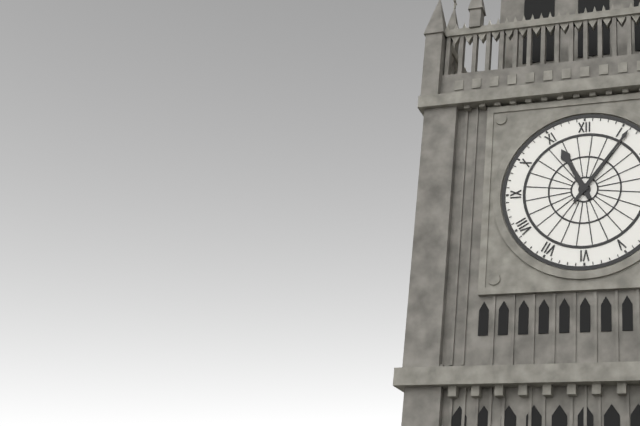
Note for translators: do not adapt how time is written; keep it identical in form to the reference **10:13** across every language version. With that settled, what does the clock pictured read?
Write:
**11:06**
